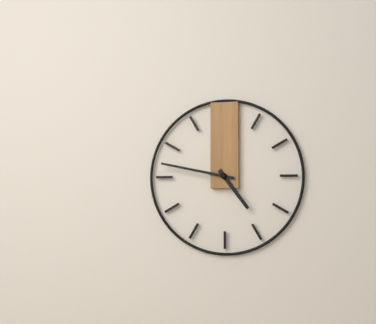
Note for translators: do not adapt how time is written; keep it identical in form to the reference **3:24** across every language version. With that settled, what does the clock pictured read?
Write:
**4:47**
